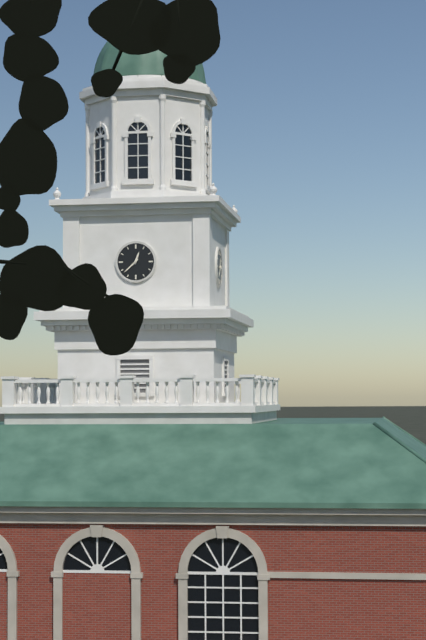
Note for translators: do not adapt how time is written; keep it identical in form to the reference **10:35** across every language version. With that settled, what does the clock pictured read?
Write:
**12:38**
